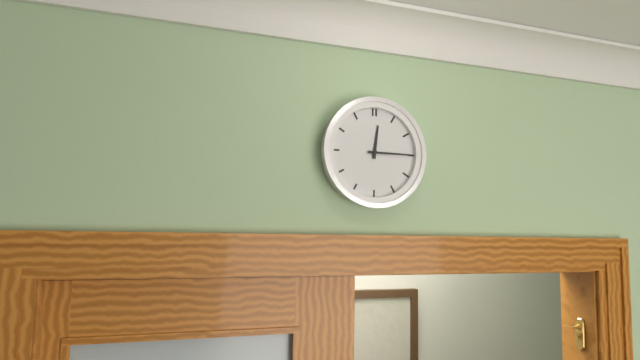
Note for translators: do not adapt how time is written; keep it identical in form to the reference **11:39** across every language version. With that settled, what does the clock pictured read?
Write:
**12:15**
